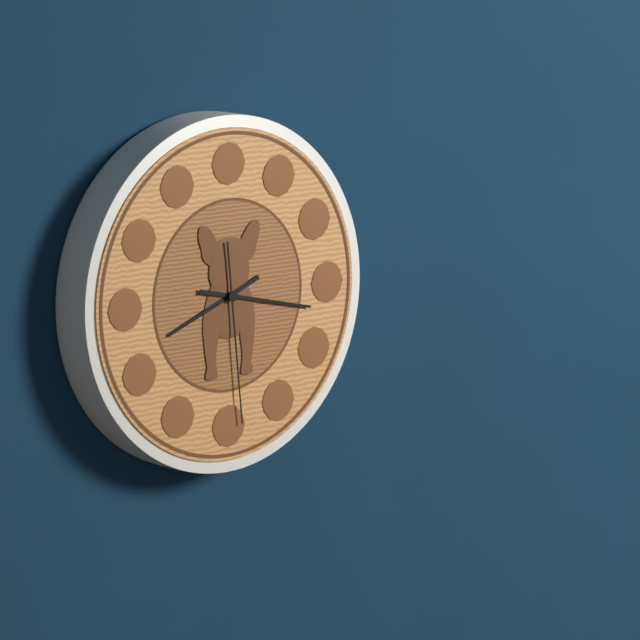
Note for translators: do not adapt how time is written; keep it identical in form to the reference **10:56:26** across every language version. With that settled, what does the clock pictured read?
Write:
**8:17:29**
